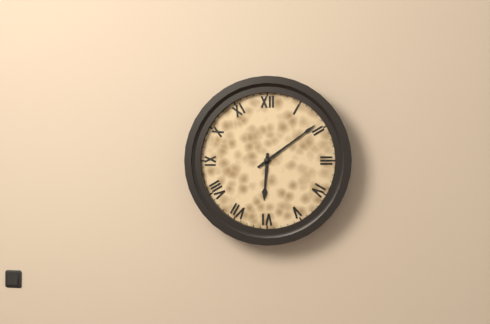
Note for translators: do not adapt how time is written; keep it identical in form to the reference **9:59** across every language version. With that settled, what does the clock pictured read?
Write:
**6:09**
